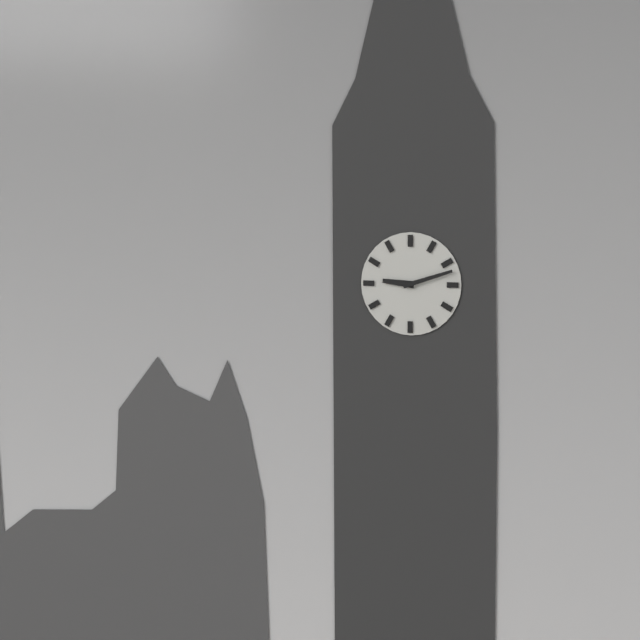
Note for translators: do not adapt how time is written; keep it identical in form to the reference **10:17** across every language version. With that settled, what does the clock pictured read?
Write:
**9:12**
